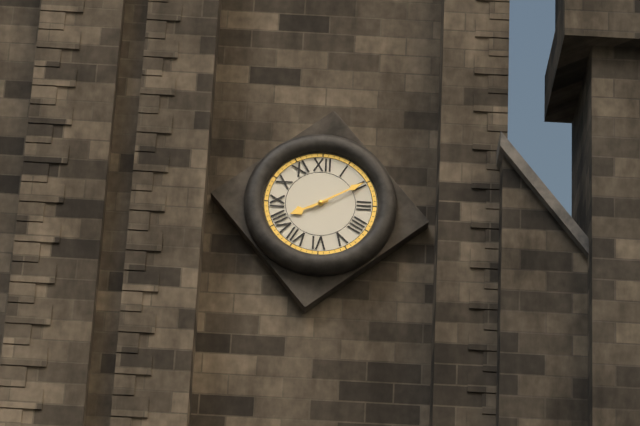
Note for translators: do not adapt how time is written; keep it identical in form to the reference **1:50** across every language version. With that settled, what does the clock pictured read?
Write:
**8:10**
